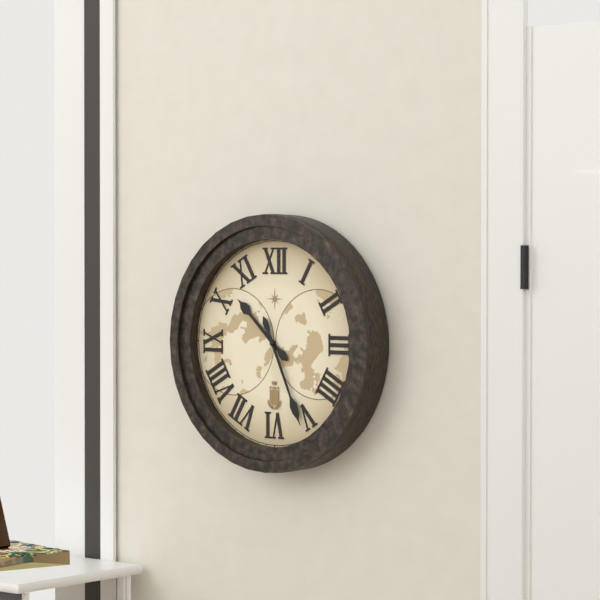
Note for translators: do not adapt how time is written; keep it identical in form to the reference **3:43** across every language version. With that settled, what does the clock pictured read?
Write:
**10:26**
